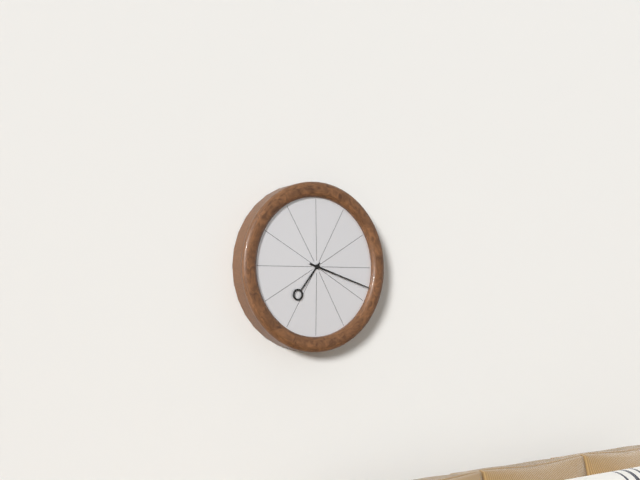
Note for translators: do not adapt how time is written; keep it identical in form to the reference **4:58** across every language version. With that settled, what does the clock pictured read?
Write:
**7:18**
